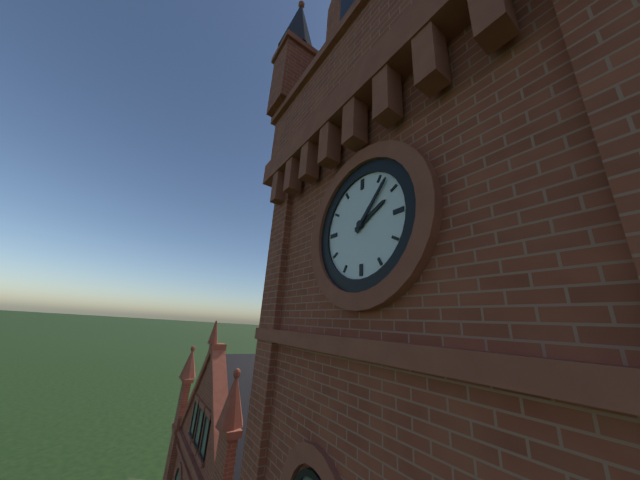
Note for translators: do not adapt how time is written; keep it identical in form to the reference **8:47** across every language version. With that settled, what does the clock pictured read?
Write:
**2:07**
